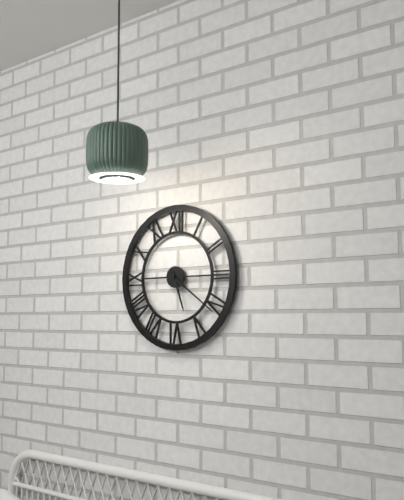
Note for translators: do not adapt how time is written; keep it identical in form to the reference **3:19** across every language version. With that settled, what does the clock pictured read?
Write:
**5:21**
